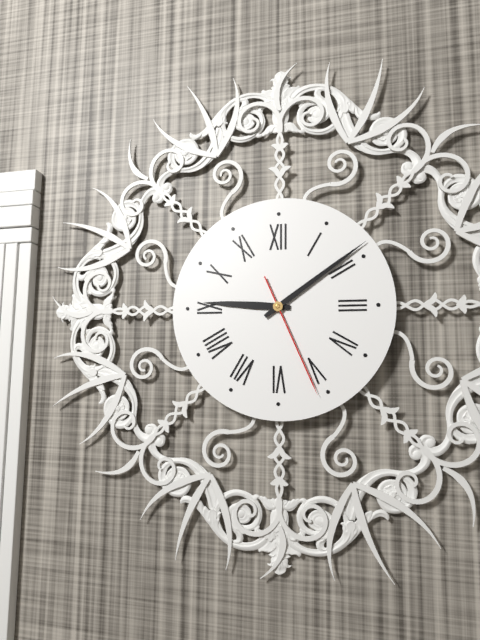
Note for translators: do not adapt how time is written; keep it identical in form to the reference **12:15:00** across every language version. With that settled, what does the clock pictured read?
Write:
**9:09:26**
